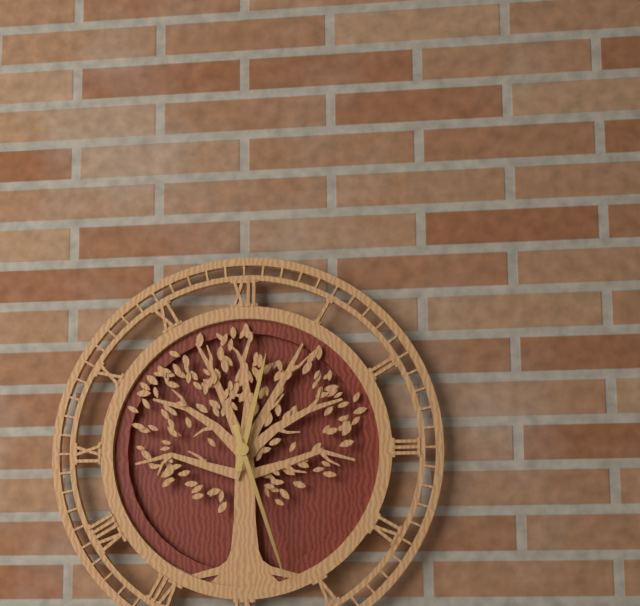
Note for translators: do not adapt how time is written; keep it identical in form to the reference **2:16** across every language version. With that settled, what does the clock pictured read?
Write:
**12:27**
